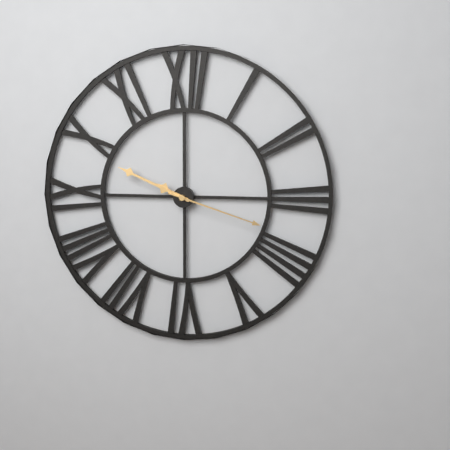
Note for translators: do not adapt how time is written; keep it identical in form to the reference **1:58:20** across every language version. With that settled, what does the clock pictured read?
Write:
**9:49:18**
